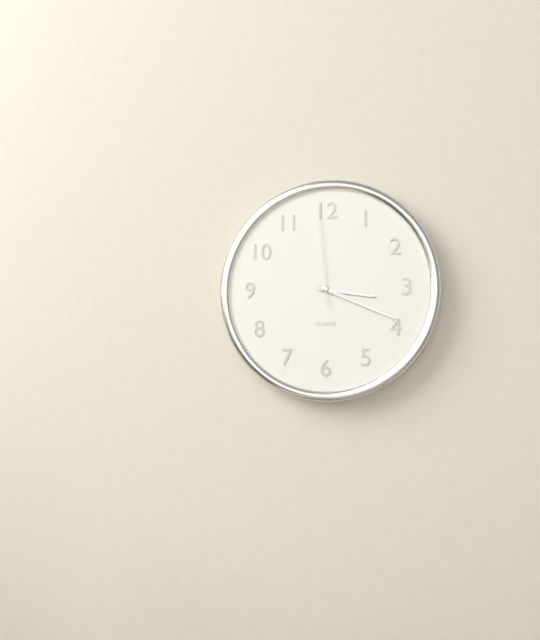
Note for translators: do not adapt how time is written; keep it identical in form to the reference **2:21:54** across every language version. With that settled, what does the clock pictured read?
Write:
**3:19:59**
